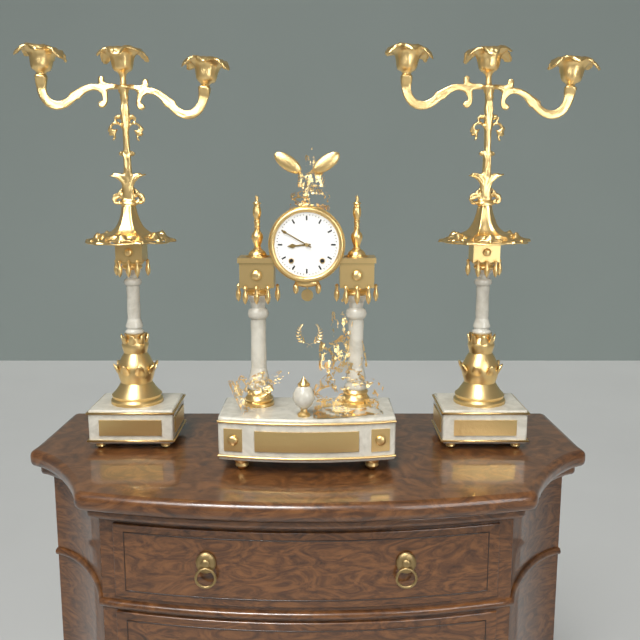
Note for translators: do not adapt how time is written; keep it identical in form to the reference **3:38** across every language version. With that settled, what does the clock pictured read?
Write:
**8:50**
